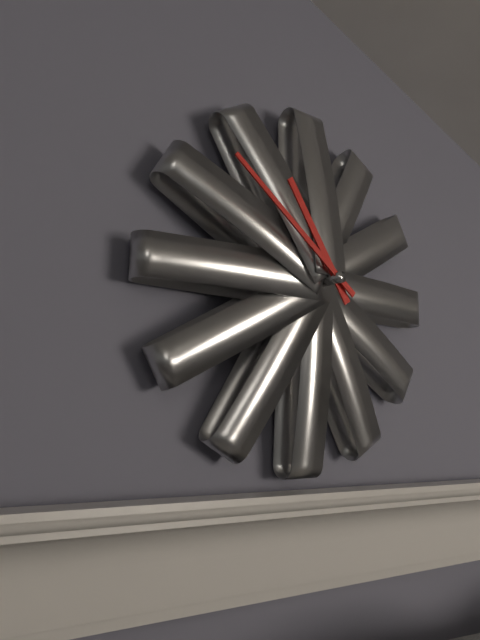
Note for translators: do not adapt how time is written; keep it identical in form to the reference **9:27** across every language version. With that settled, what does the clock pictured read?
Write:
**10:51**
